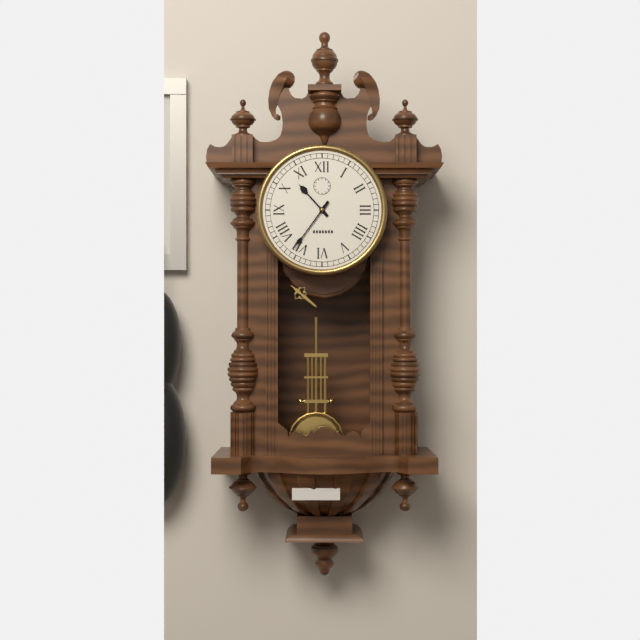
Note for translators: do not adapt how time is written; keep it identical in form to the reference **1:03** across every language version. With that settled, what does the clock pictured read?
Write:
**10:36**
